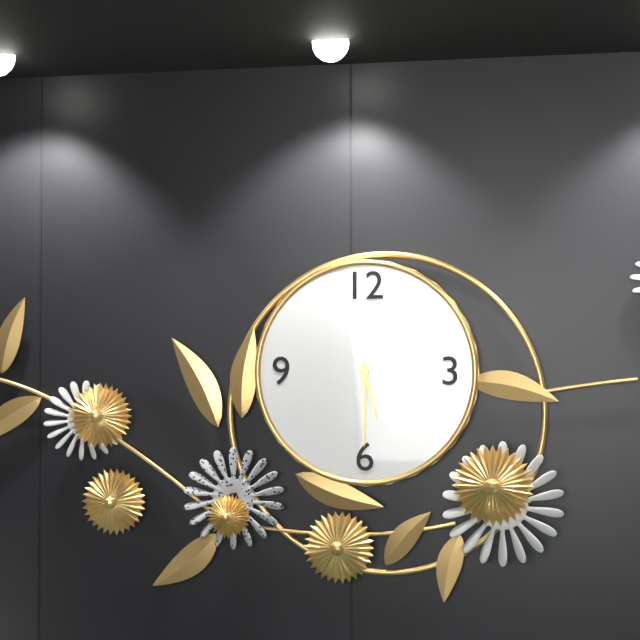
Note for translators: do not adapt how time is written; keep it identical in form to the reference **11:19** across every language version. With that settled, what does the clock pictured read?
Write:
**5:30**
